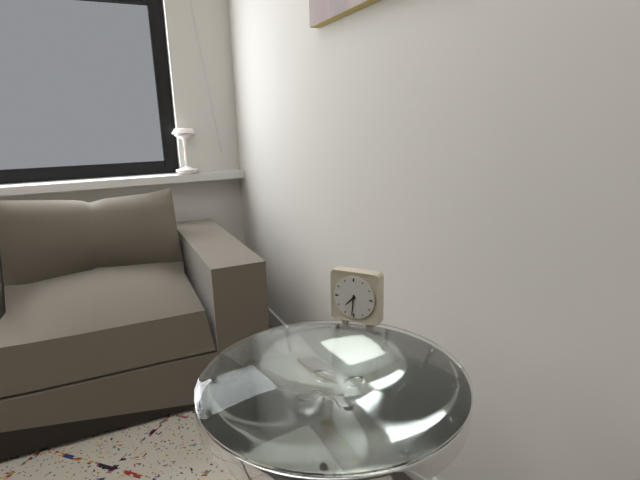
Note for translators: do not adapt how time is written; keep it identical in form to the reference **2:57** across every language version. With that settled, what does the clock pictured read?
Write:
**7:31**
